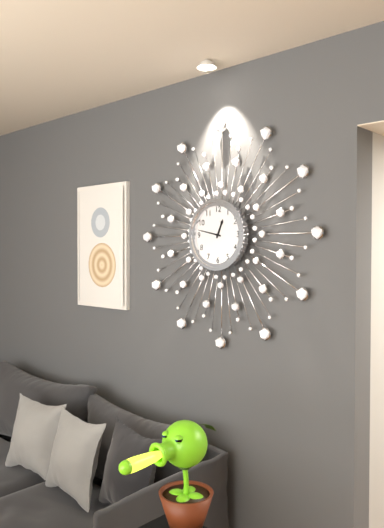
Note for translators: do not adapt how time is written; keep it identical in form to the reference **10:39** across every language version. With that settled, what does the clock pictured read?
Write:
**12:47**
